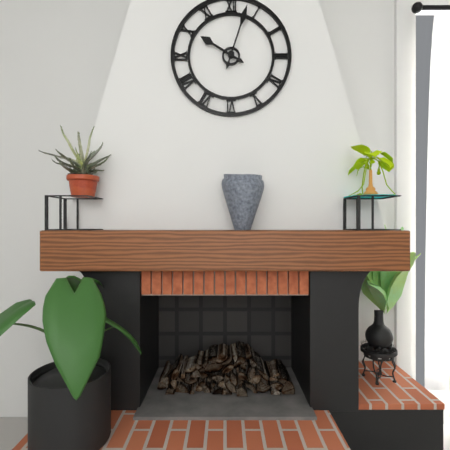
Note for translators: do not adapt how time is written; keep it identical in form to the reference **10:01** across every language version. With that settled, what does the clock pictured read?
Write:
**10:03**
